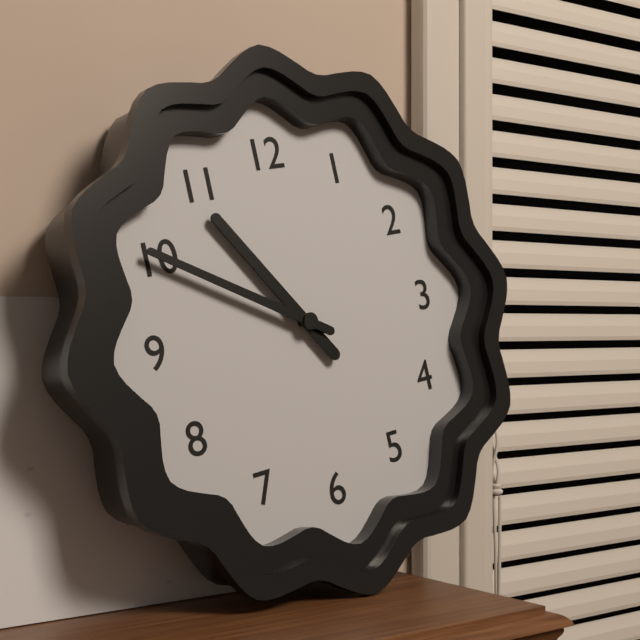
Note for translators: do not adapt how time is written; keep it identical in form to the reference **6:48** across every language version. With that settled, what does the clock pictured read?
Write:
**10:50**
